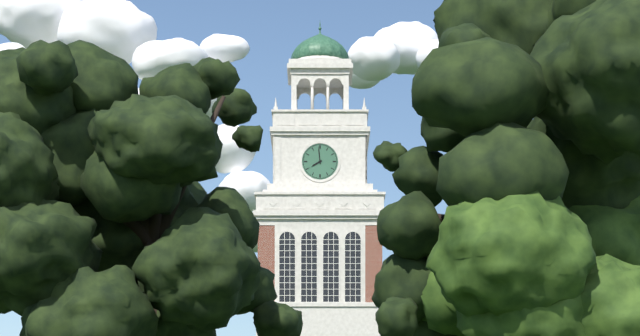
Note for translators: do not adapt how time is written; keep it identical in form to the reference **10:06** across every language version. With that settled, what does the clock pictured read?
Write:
**7:59**
